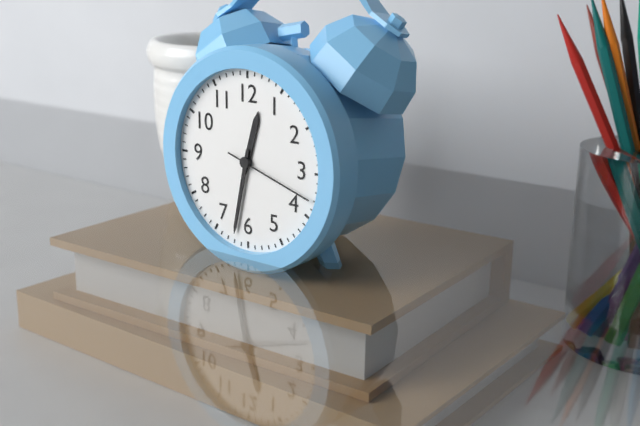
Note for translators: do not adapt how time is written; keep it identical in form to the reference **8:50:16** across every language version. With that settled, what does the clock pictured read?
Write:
**12:32:18**
